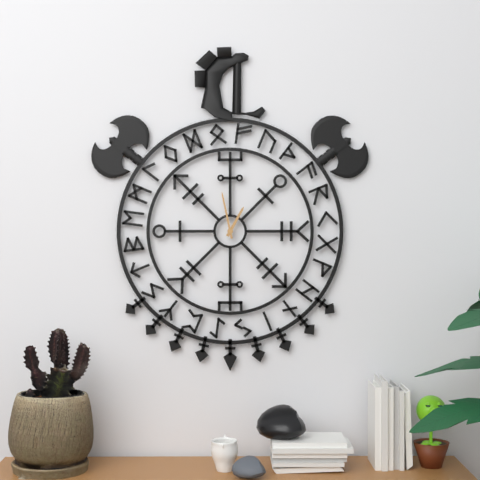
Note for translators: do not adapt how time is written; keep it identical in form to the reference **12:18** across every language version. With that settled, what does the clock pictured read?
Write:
**12:58**
